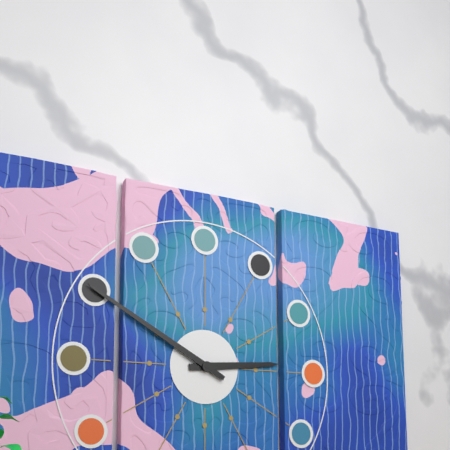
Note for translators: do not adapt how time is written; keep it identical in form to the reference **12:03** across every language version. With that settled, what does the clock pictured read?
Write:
**2:50**
